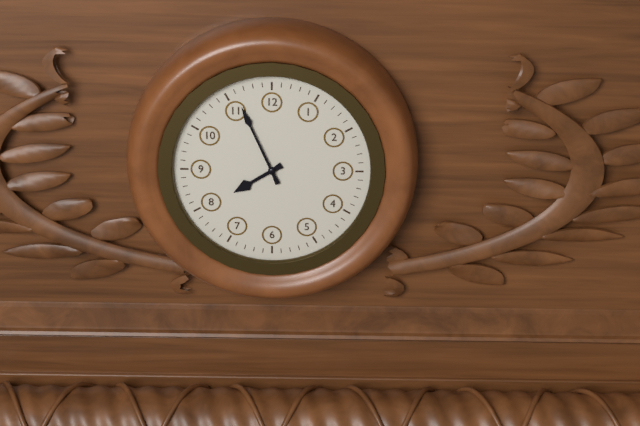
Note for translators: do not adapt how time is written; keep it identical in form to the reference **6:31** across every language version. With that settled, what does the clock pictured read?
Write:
**7:56**
